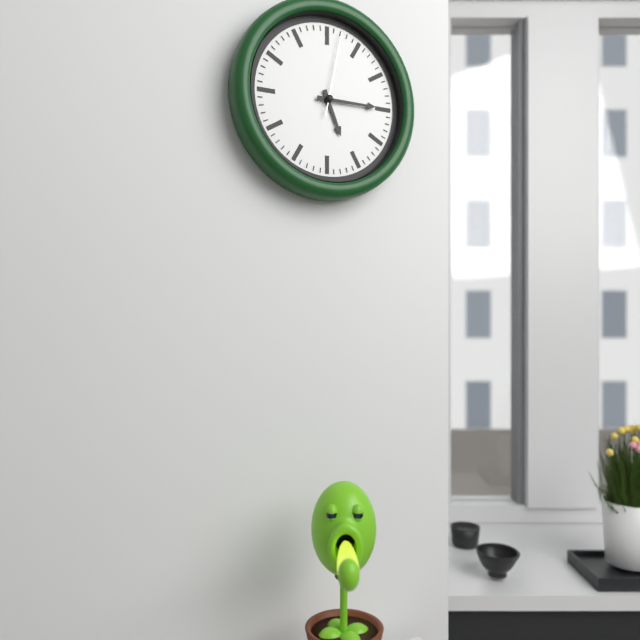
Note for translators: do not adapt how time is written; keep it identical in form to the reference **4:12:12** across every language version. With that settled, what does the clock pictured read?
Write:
**5:15:02**
